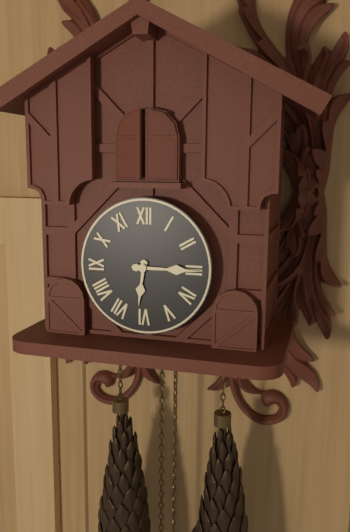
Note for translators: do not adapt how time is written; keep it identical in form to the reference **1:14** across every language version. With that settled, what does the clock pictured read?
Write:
**6:15**
